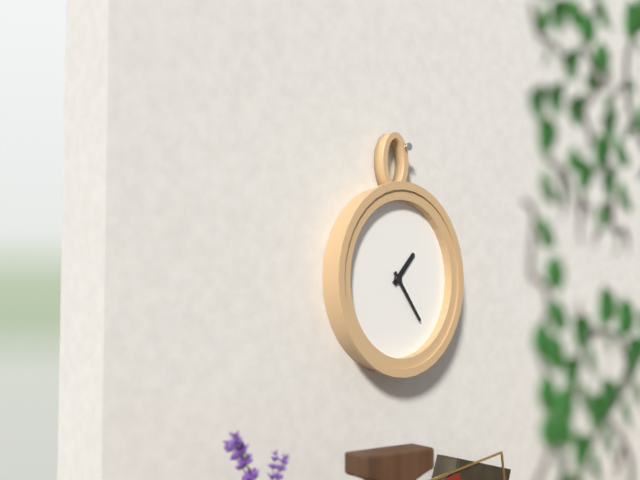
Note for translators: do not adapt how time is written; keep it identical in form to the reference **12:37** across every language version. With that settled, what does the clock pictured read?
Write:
**1:24**
